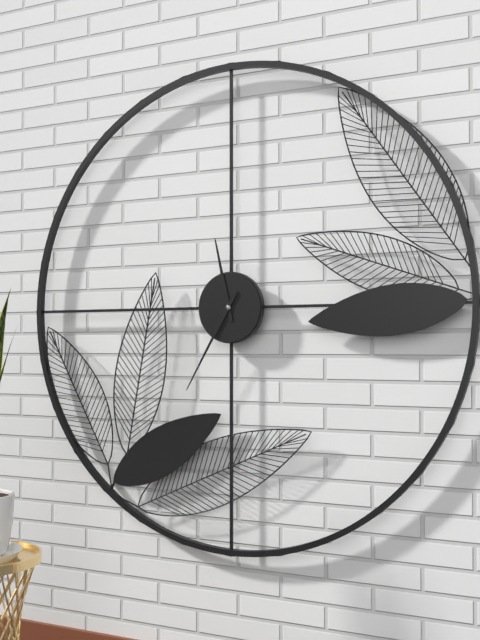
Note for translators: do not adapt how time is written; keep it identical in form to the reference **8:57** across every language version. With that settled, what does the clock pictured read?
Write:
**11:35**
